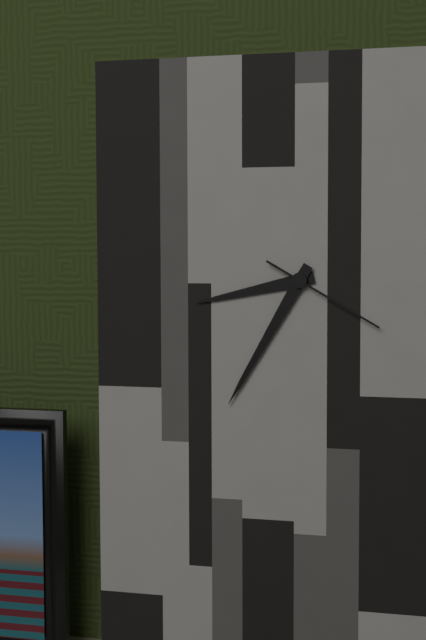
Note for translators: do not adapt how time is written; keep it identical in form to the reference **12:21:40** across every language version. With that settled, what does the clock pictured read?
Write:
**8:35:20**
